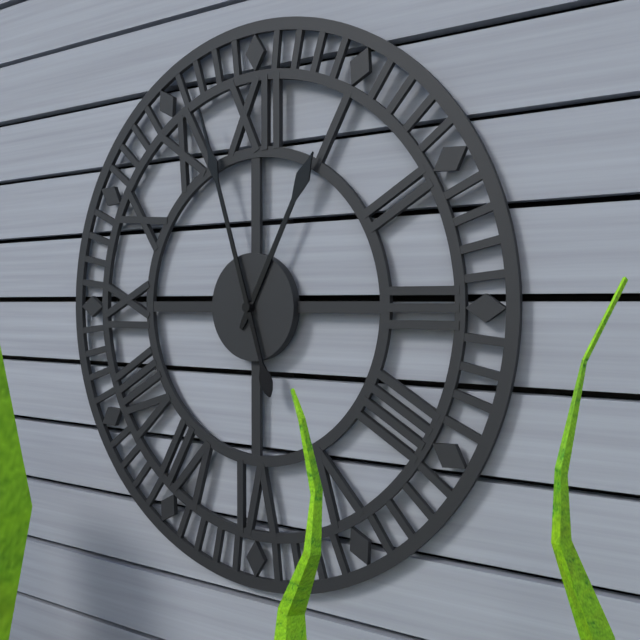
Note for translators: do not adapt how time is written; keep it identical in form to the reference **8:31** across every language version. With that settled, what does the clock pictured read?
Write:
**12:57**
